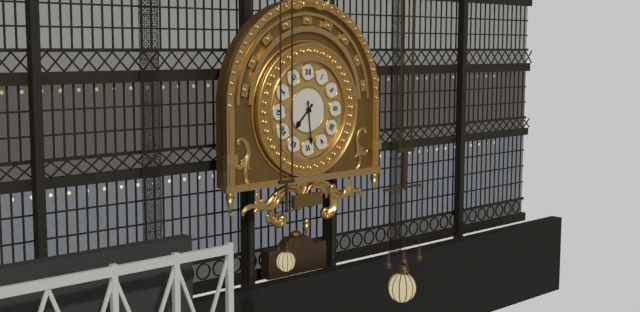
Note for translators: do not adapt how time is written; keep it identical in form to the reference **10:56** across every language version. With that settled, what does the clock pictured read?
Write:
**7:29**
